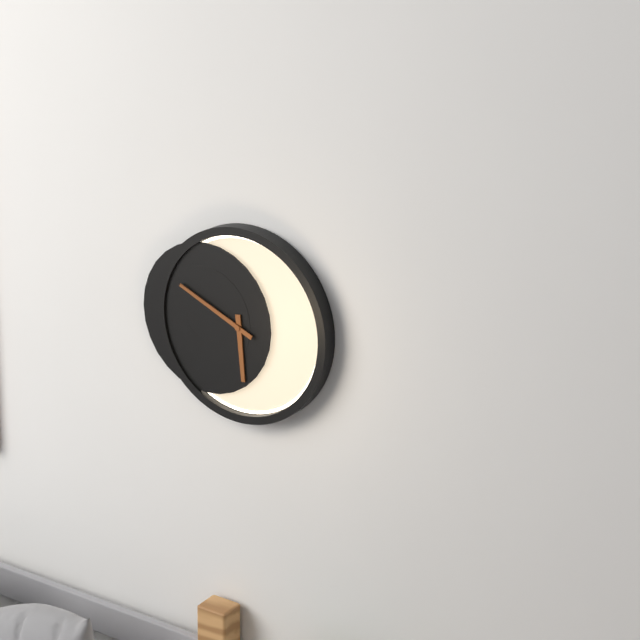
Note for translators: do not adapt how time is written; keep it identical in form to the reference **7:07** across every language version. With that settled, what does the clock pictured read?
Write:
**5:49**
